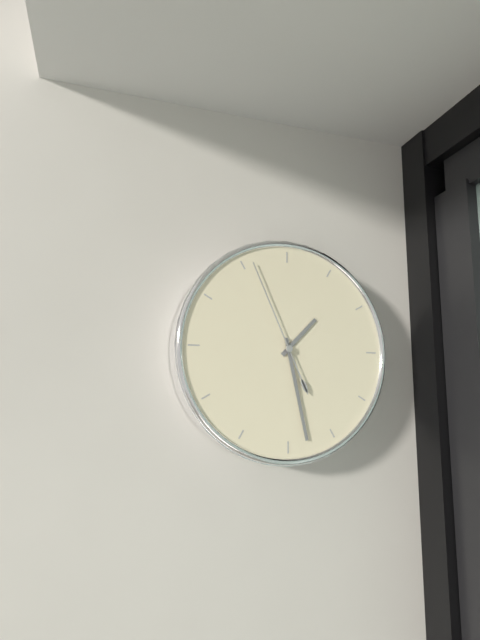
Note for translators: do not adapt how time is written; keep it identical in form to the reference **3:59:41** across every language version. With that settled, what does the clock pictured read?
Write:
**1:28:56**
